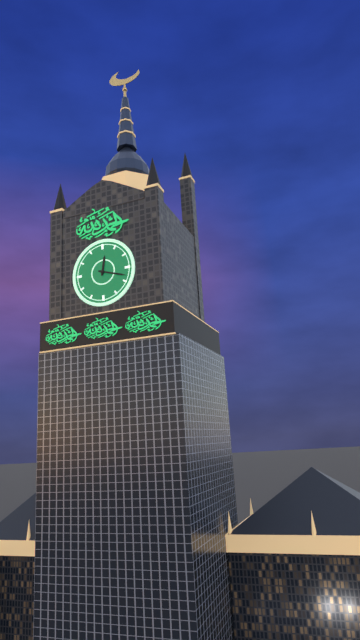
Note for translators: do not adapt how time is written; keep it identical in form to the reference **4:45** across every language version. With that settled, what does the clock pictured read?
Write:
**12:18**
